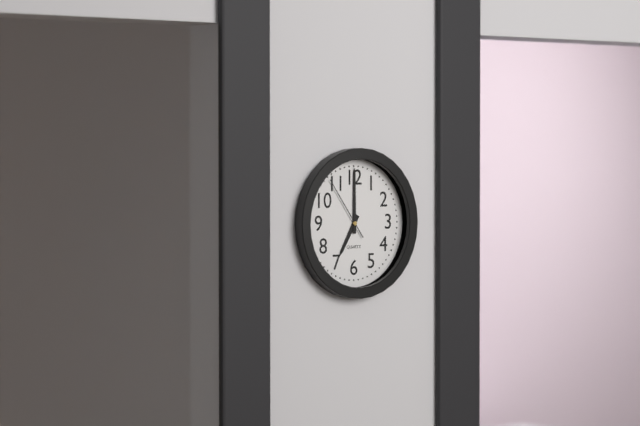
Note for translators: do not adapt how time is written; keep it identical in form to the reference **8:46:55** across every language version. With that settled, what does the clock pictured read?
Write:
**7:00:54**
